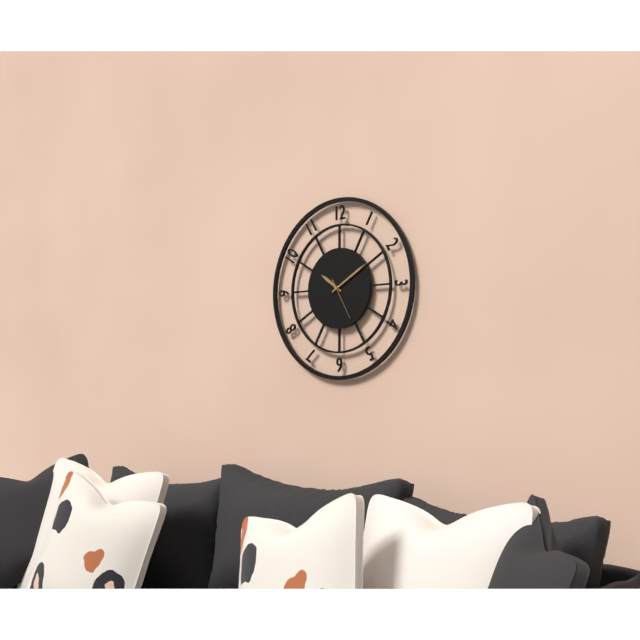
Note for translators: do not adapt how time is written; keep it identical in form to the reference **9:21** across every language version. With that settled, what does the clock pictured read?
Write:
**10:10**
